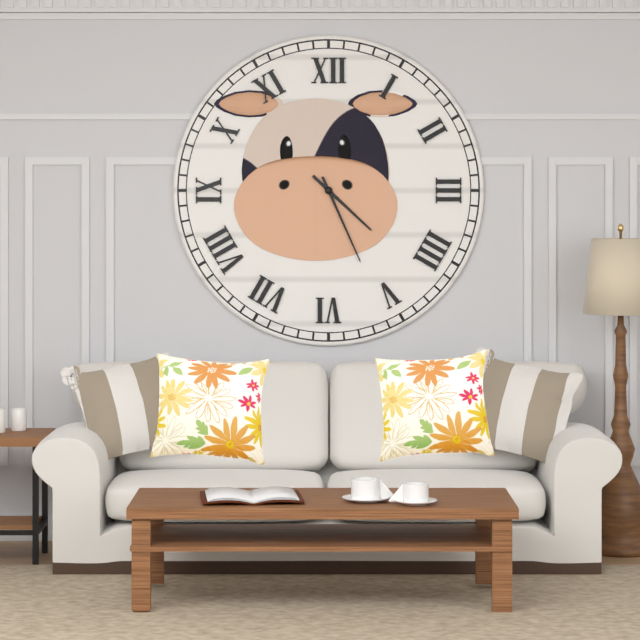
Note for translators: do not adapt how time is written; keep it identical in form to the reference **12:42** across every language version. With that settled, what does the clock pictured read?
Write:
**4:26**
